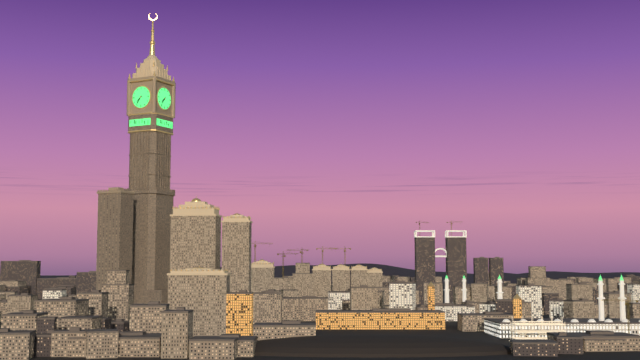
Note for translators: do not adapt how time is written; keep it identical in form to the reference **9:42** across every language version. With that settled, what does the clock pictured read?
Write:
**7:36**
